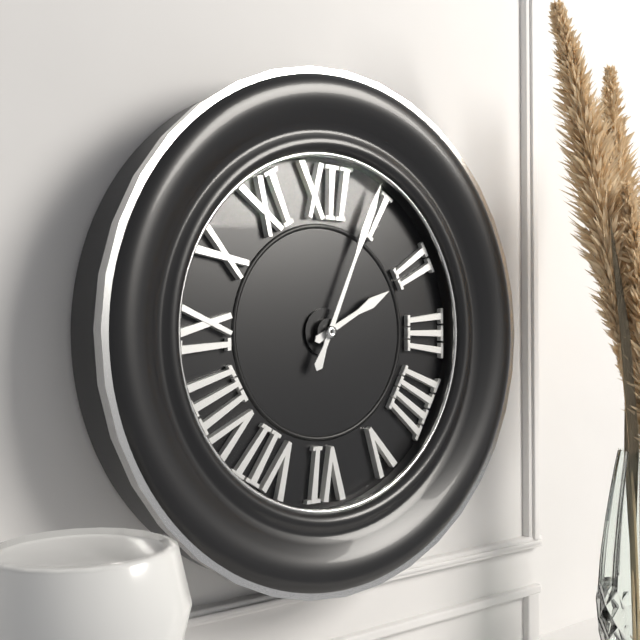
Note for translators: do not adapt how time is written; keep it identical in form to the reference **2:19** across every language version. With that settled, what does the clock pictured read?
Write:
**2:04**
